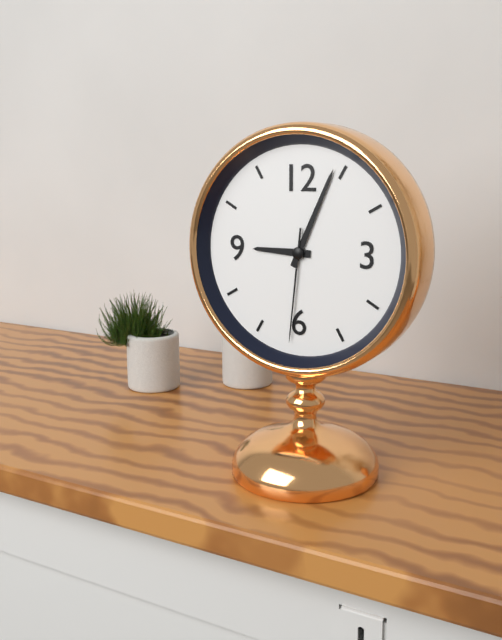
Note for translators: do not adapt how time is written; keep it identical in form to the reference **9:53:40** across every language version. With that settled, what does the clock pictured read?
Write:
**9:04:31**
